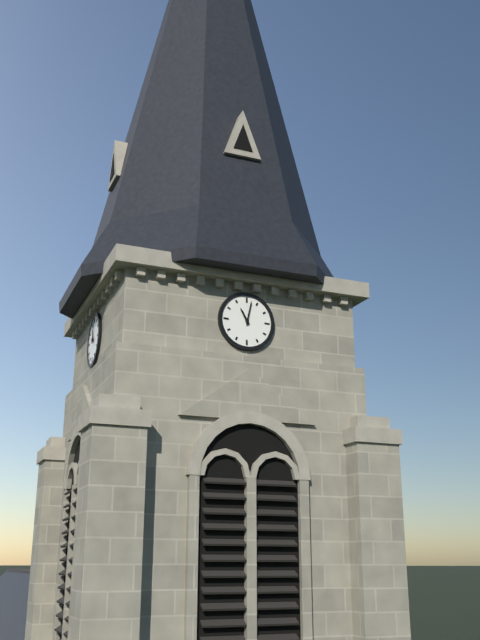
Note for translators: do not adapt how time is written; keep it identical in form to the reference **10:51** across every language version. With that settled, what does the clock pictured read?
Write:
**11:02**
